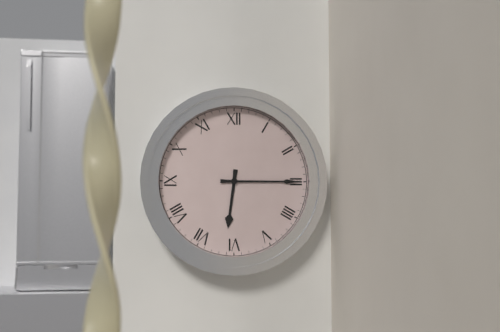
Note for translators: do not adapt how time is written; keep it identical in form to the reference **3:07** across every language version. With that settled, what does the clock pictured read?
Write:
**6:15**
